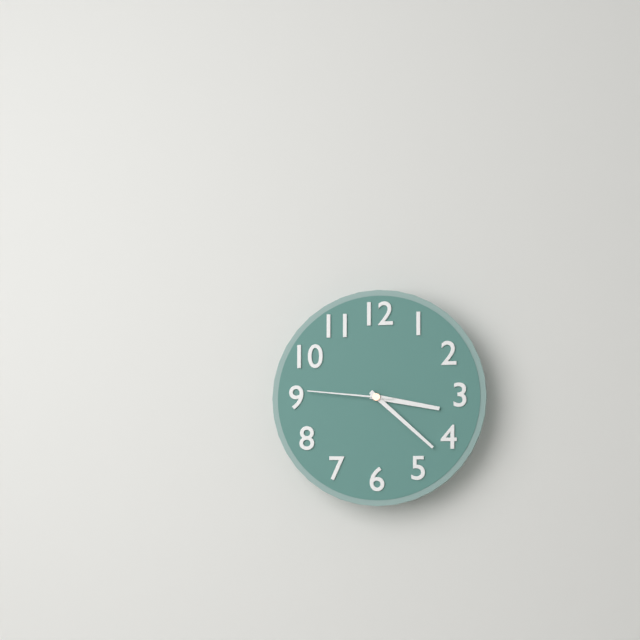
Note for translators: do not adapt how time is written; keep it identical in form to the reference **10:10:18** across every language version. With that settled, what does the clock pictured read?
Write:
**3:22:46**
